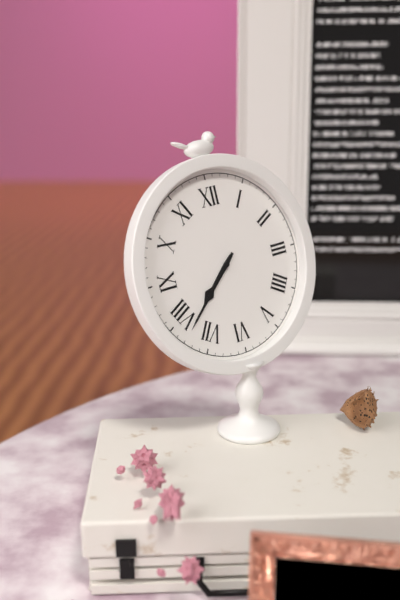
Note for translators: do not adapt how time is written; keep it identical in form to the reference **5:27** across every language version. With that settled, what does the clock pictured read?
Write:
**7:38**
